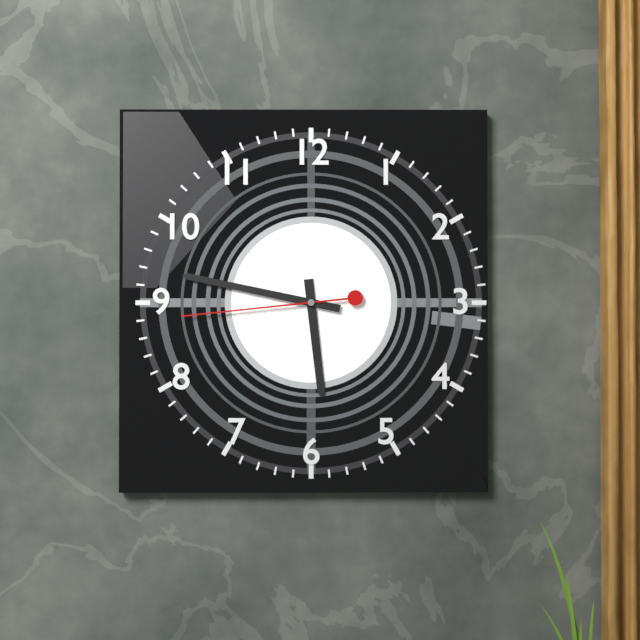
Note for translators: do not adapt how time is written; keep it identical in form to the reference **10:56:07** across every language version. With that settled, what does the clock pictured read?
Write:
**5:47:44**
